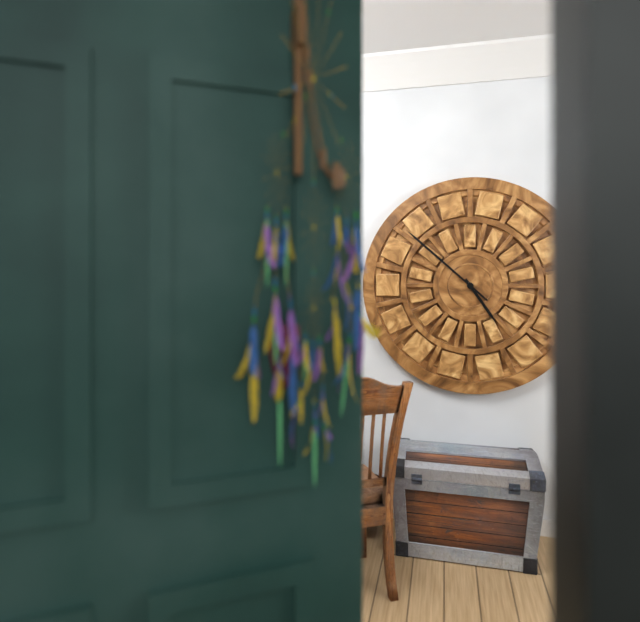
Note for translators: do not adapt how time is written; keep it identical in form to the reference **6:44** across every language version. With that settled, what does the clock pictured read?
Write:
**4:52**
